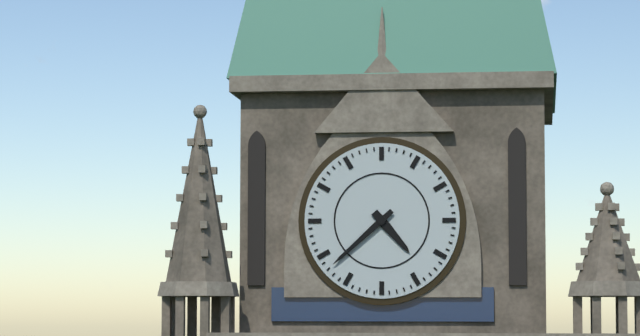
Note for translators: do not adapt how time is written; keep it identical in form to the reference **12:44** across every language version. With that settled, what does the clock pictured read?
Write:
**4:38**
